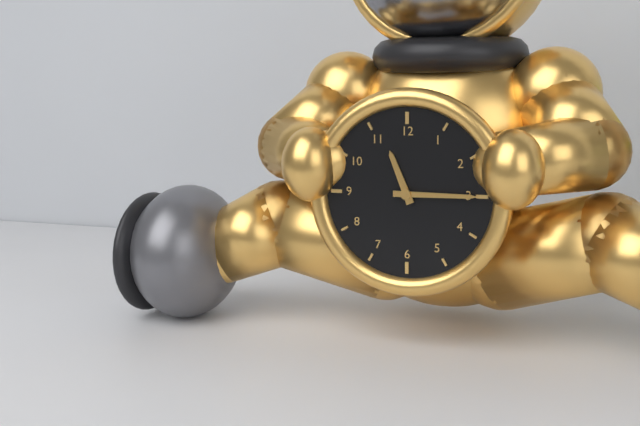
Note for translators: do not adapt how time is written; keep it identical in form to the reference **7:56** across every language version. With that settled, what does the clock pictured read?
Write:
**11:15**
